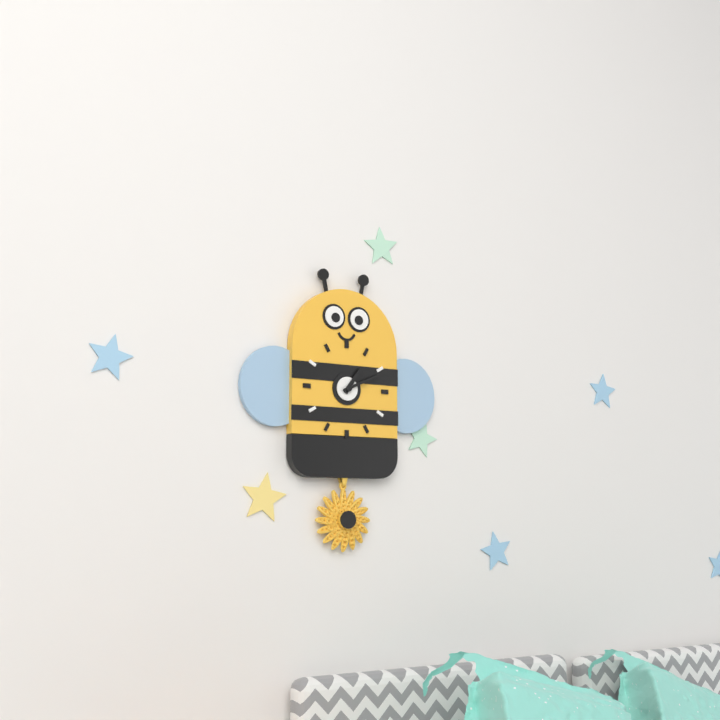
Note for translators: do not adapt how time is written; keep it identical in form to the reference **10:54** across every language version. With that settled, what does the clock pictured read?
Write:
**1:11**
